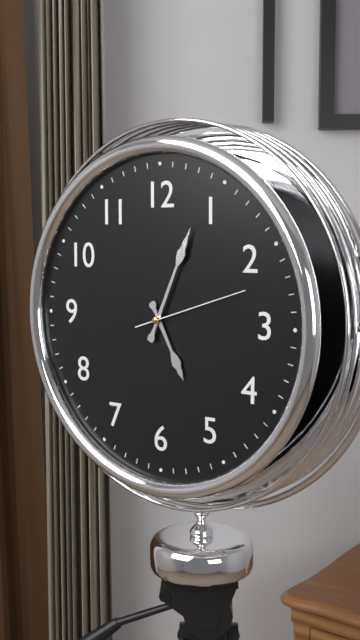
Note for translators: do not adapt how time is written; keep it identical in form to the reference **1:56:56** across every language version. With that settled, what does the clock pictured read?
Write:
**5:04:12**
